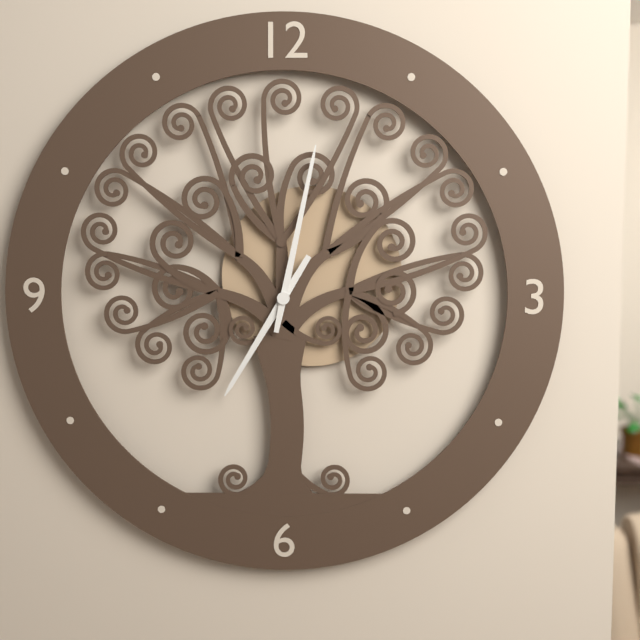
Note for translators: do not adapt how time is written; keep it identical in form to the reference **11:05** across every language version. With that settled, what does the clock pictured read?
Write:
**7:02**
